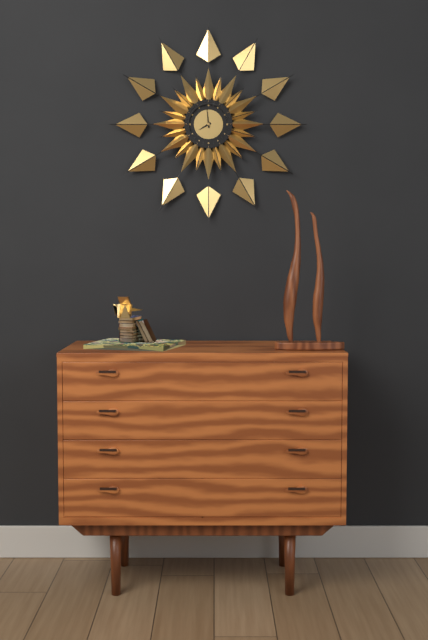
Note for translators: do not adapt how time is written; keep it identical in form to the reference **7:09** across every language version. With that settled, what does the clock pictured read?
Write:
**7:59**
